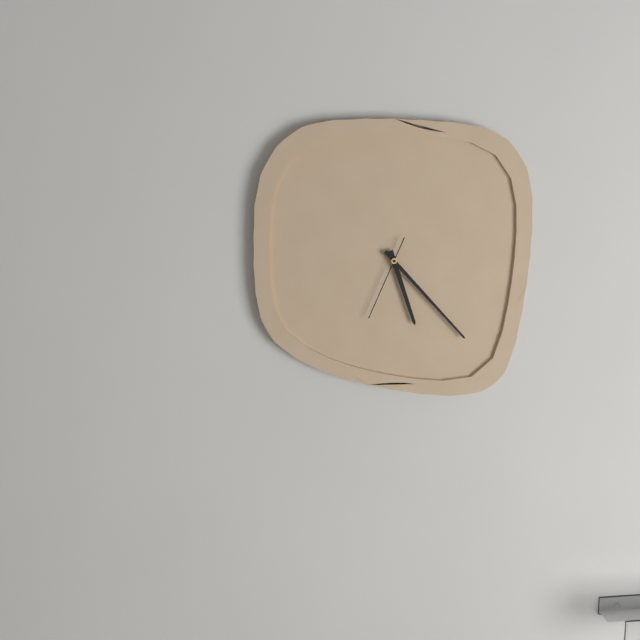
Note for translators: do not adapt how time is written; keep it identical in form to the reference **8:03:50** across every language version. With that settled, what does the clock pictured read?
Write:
**5:23:34**
